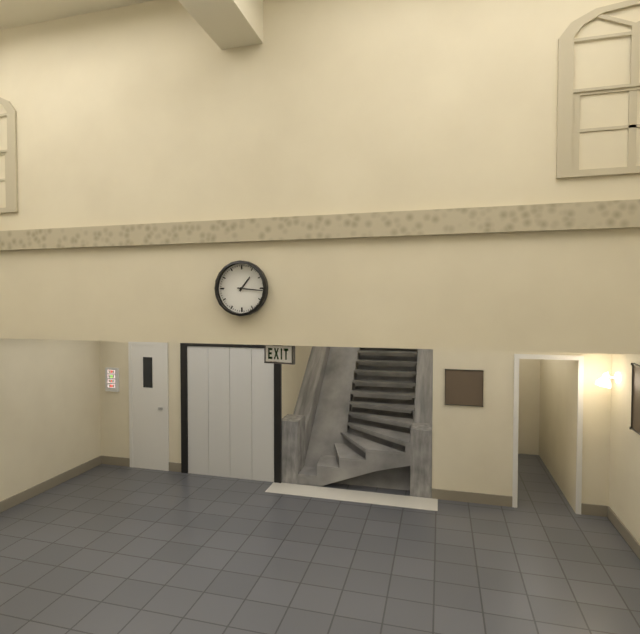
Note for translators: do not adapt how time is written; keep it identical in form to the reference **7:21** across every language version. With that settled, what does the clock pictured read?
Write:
**1:16**
